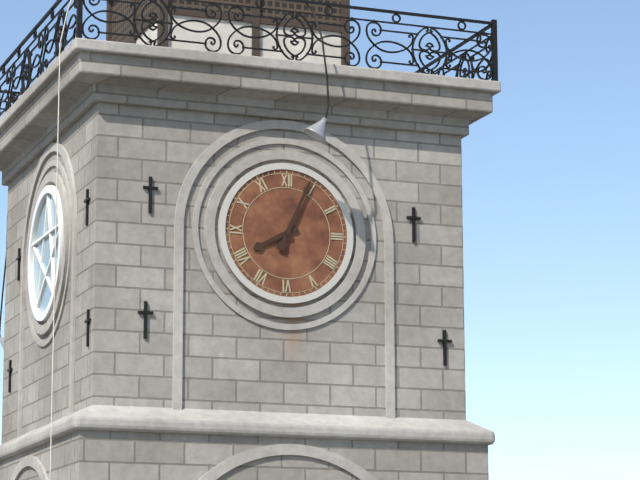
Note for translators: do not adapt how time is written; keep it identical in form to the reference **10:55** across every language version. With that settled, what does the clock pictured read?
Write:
**8:04**
